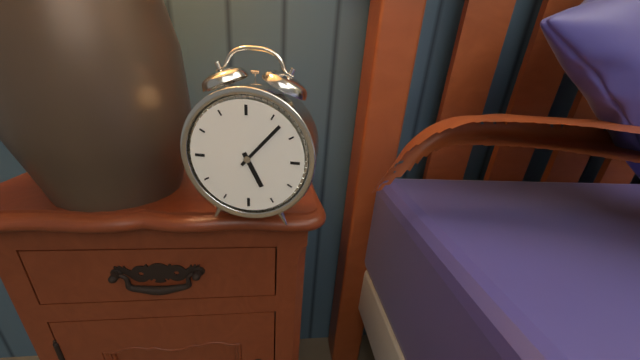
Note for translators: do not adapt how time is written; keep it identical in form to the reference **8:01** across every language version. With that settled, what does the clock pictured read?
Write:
**5:07**
